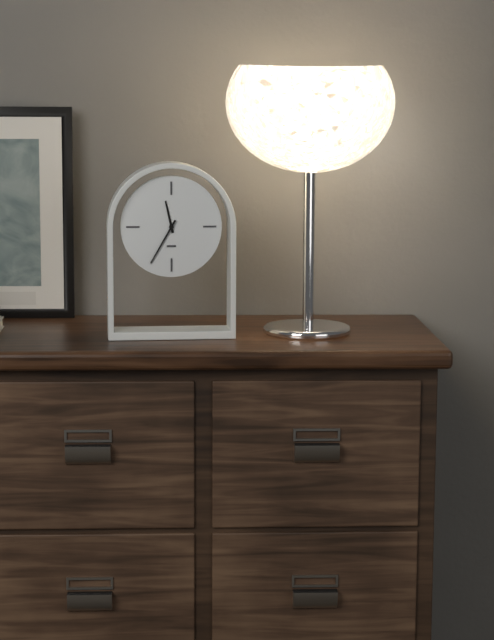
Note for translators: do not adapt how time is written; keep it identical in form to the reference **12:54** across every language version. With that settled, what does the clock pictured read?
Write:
**11:35**
